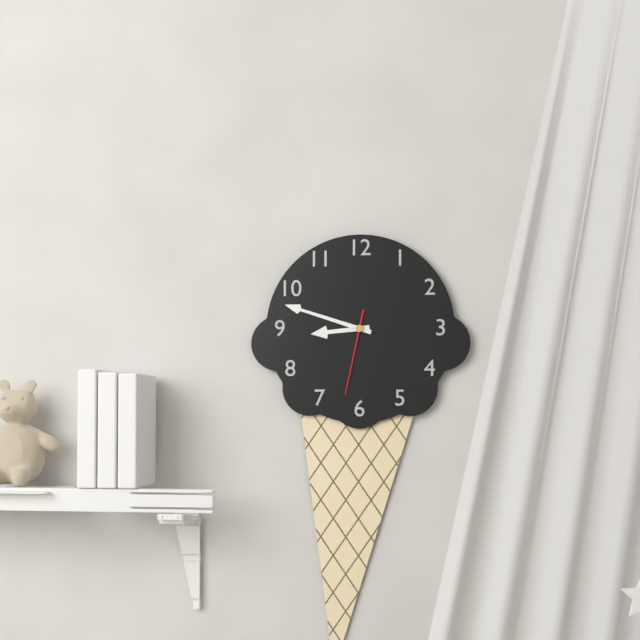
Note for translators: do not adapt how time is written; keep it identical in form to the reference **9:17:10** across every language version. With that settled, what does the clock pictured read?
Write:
**8:48:32**
